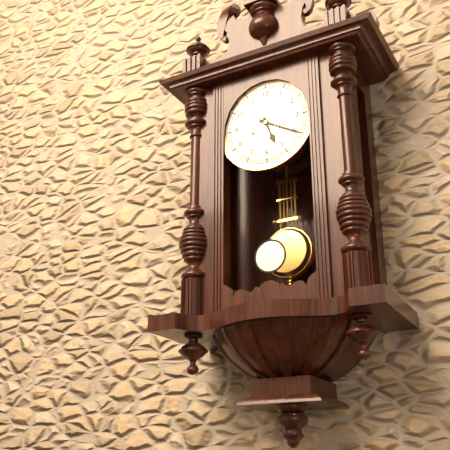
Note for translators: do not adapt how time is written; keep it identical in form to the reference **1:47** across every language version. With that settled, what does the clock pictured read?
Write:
**5:20**
